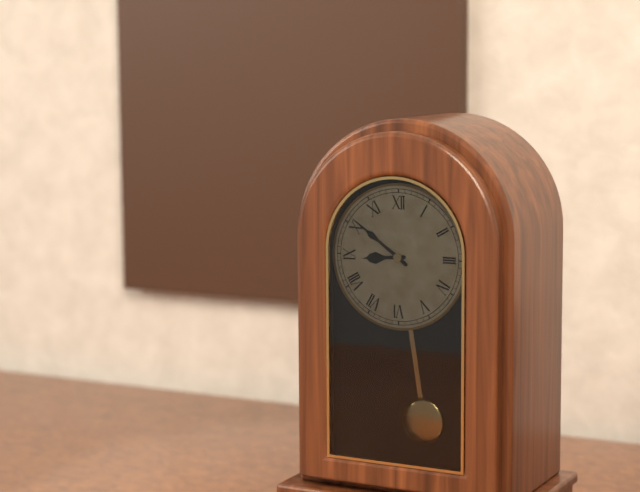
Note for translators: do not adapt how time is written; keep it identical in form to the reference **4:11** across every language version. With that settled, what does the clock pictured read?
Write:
**8:51**
